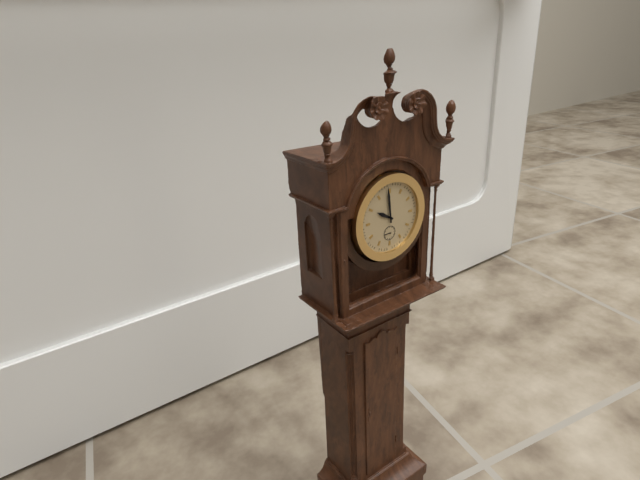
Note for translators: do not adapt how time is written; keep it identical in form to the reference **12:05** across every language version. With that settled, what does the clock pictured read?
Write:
**9:59**
